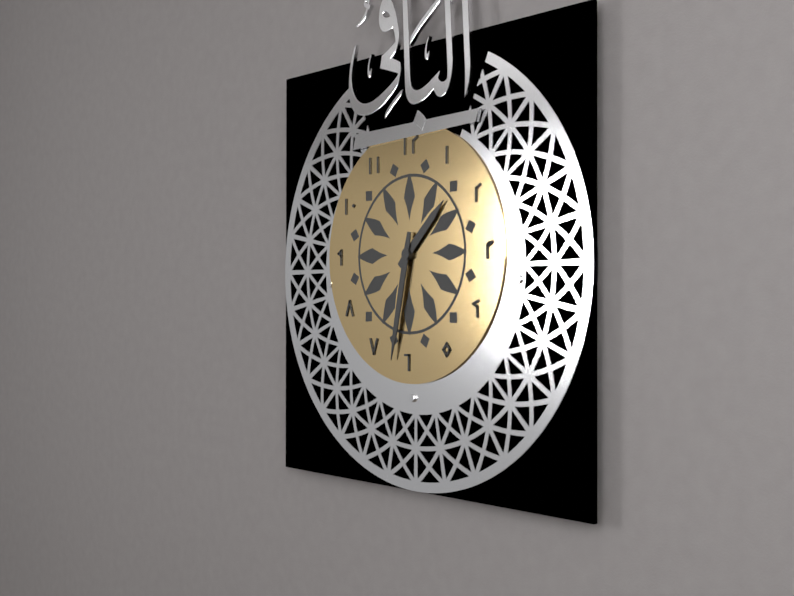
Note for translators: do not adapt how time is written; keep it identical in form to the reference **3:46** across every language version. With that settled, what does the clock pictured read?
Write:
**1:32**
